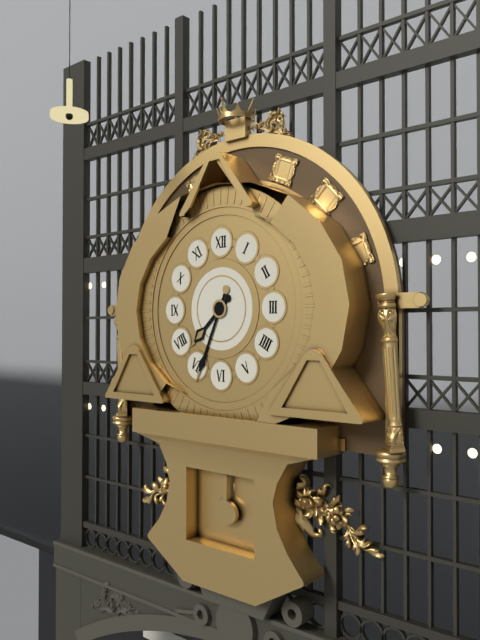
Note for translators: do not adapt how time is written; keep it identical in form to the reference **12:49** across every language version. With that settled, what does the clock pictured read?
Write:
**7:34**
